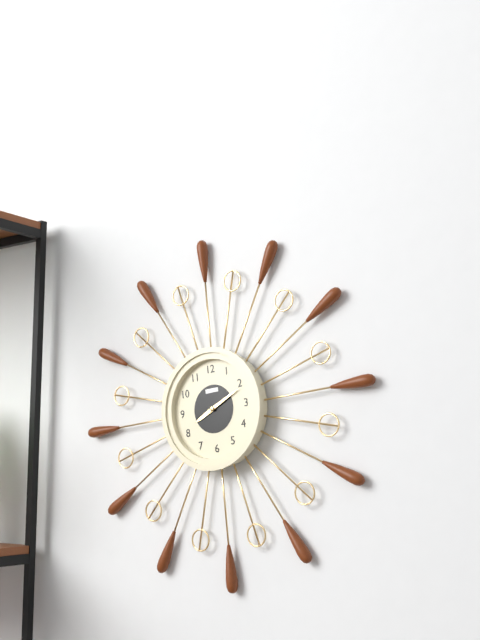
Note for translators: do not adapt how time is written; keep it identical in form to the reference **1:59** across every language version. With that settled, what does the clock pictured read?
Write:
**8:11**
